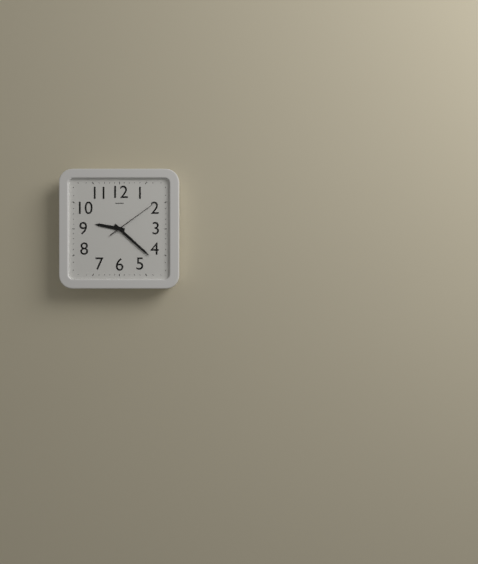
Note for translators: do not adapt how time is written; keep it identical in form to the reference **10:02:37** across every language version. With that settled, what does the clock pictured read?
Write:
**9:22:09**
